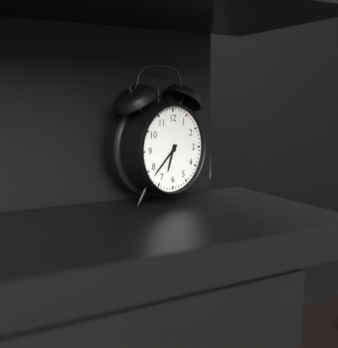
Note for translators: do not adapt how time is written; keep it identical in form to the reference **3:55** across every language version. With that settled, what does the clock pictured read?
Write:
**6:38**
